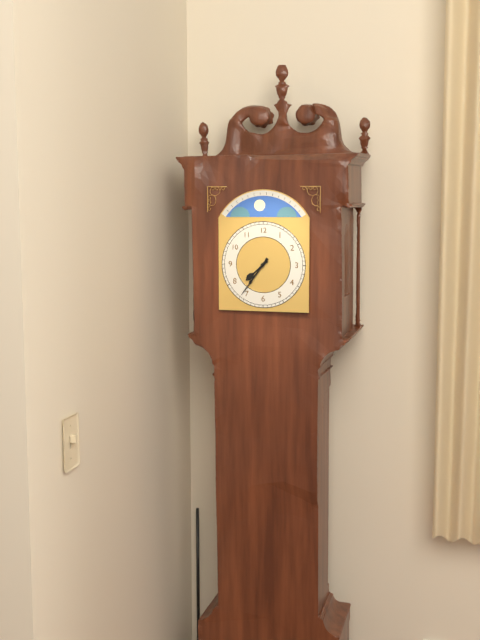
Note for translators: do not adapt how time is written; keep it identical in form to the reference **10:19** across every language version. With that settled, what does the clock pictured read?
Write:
**7:36**
